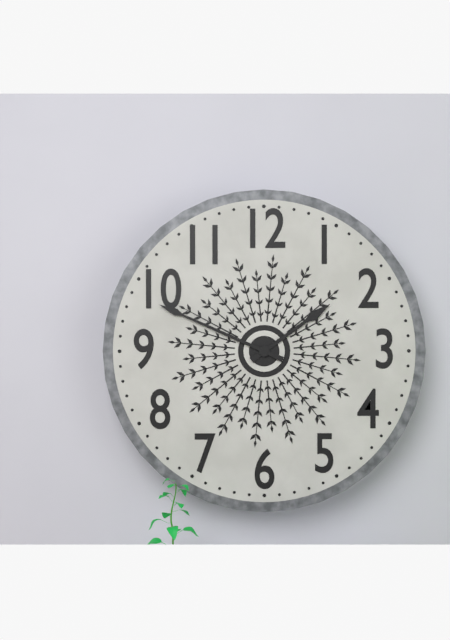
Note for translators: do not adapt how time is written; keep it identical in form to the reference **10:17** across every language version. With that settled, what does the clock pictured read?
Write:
**1:49**
